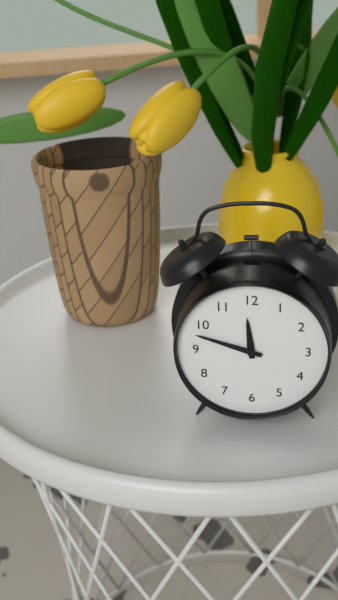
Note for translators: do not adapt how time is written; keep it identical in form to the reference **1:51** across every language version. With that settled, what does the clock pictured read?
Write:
**11:48**
